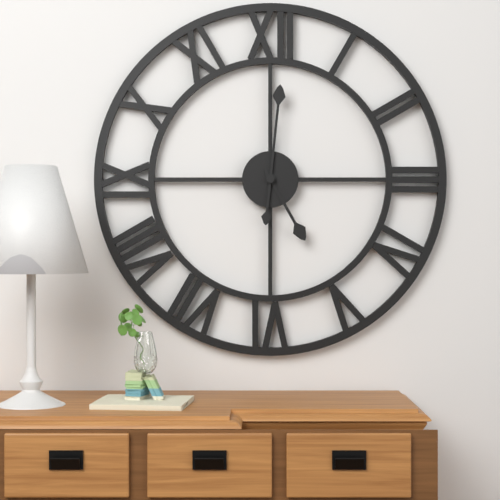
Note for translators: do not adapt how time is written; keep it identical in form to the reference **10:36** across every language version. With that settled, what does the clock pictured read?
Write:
**5:01**
